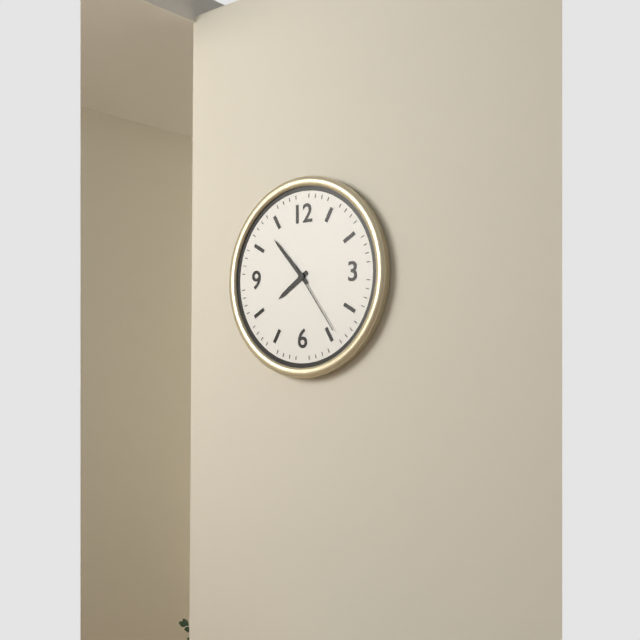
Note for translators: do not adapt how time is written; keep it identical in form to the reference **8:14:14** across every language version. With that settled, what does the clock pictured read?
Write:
**7:53:24**
